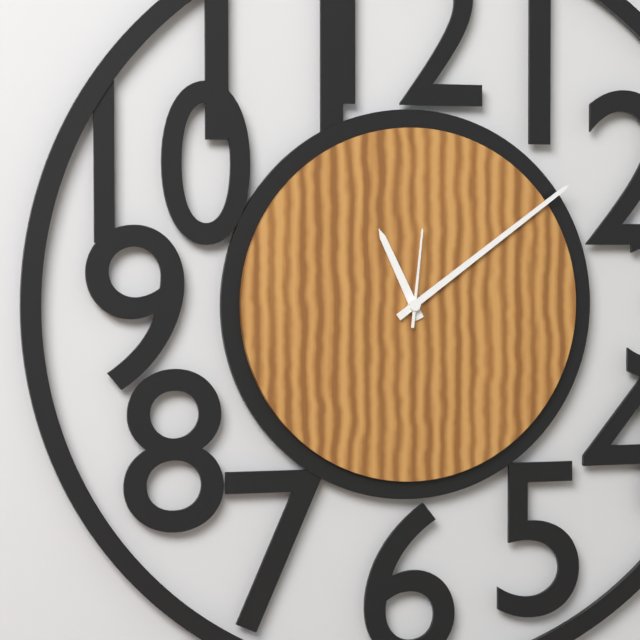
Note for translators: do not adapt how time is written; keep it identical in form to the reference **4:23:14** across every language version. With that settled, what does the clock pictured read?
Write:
**11:09:01**
